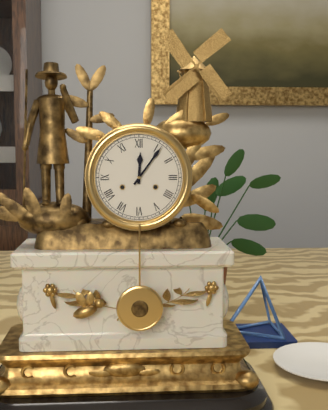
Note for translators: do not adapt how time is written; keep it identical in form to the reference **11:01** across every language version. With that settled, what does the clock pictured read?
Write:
**12:06**
